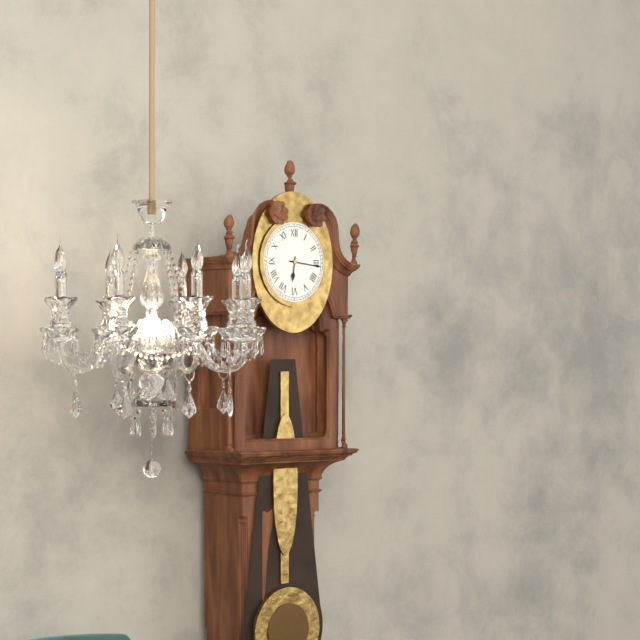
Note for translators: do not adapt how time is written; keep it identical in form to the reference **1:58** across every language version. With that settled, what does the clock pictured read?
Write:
**6:16**
